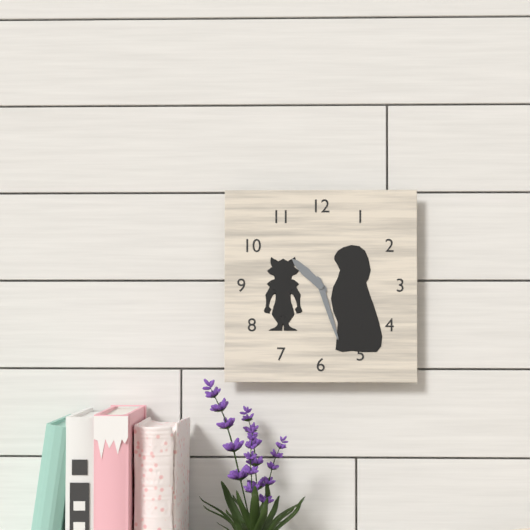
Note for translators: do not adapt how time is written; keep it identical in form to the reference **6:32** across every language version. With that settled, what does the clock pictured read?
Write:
**10:27**
